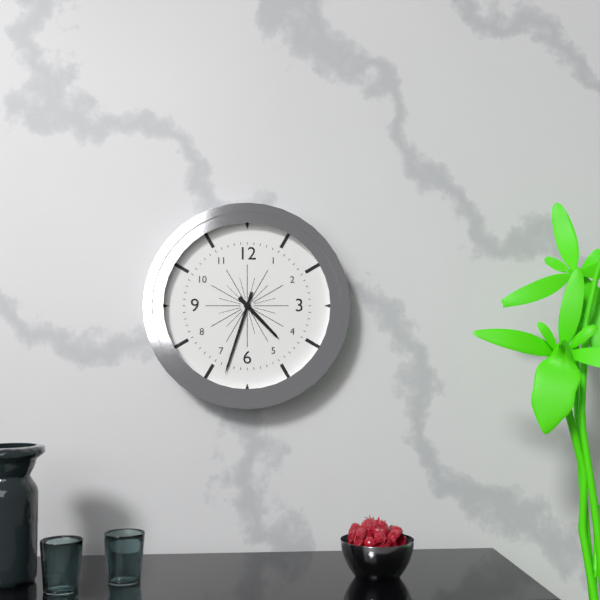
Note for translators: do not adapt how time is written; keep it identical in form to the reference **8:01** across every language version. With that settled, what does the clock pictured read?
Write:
**4:33**
